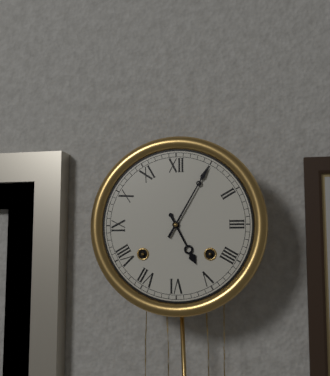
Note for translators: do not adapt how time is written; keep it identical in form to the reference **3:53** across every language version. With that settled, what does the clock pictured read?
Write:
**5:05**
